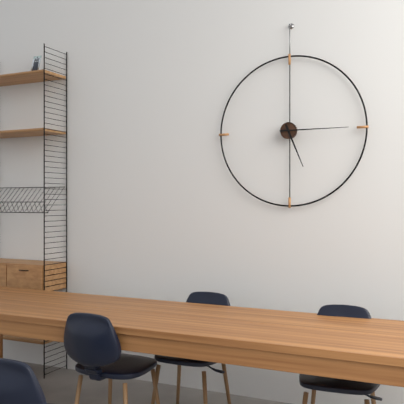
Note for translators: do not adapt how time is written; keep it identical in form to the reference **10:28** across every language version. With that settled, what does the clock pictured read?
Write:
**5:15**
